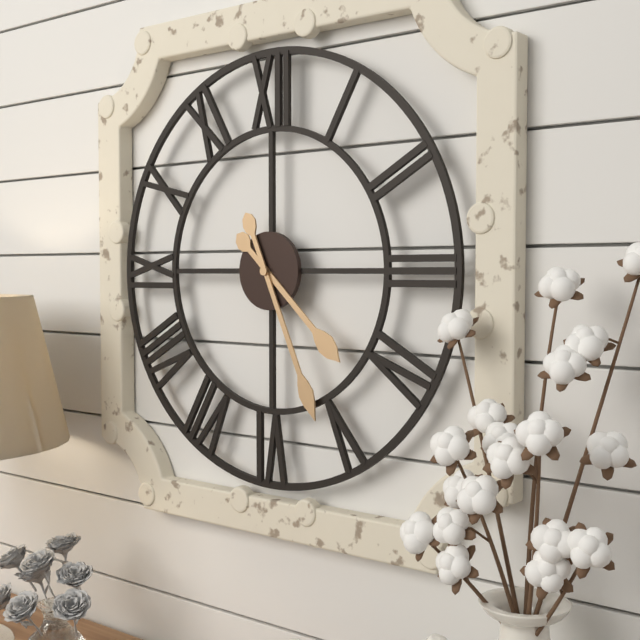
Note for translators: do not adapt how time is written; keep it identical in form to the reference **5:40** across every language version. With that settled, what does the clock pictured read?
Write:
**4:26**
